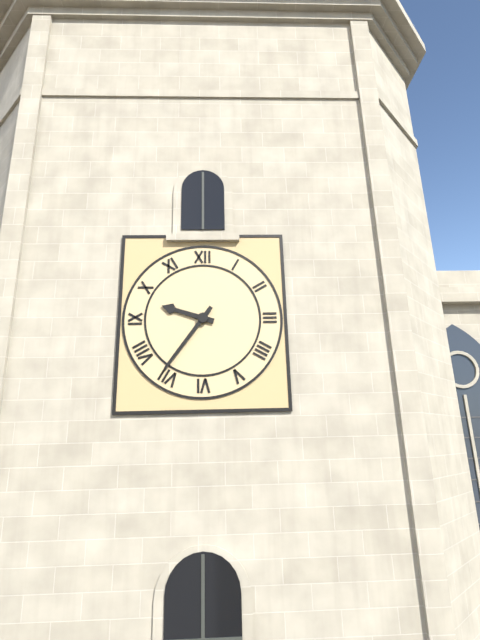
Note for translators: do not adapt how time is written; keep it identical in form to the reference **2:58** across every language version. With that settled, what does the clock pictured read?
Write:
**9:36**
